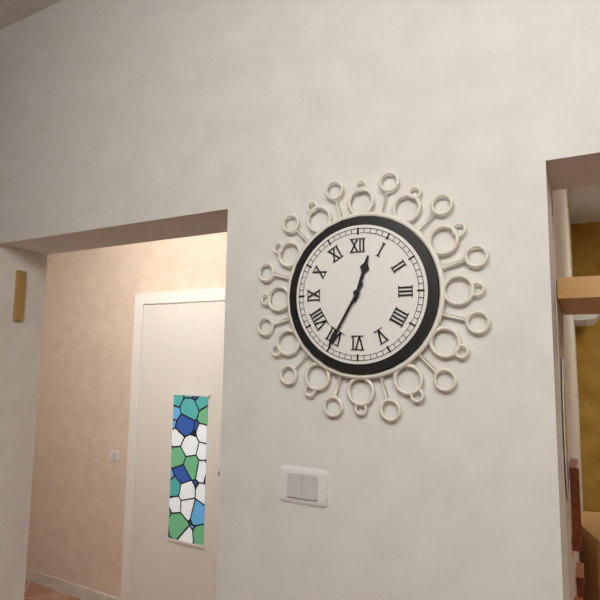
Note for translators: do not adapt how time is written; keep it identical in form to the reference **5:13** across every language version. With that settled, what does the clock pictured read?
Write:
**12:35**
